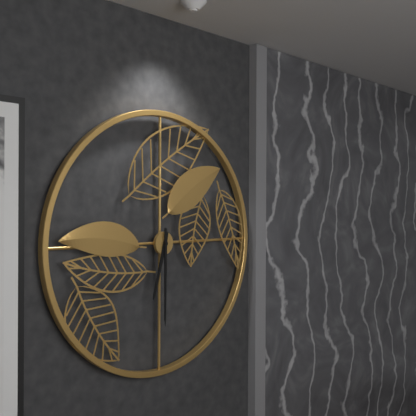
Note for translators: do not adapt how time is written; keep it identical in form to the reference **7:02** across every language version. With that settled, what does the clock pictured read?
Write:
**6:30**
